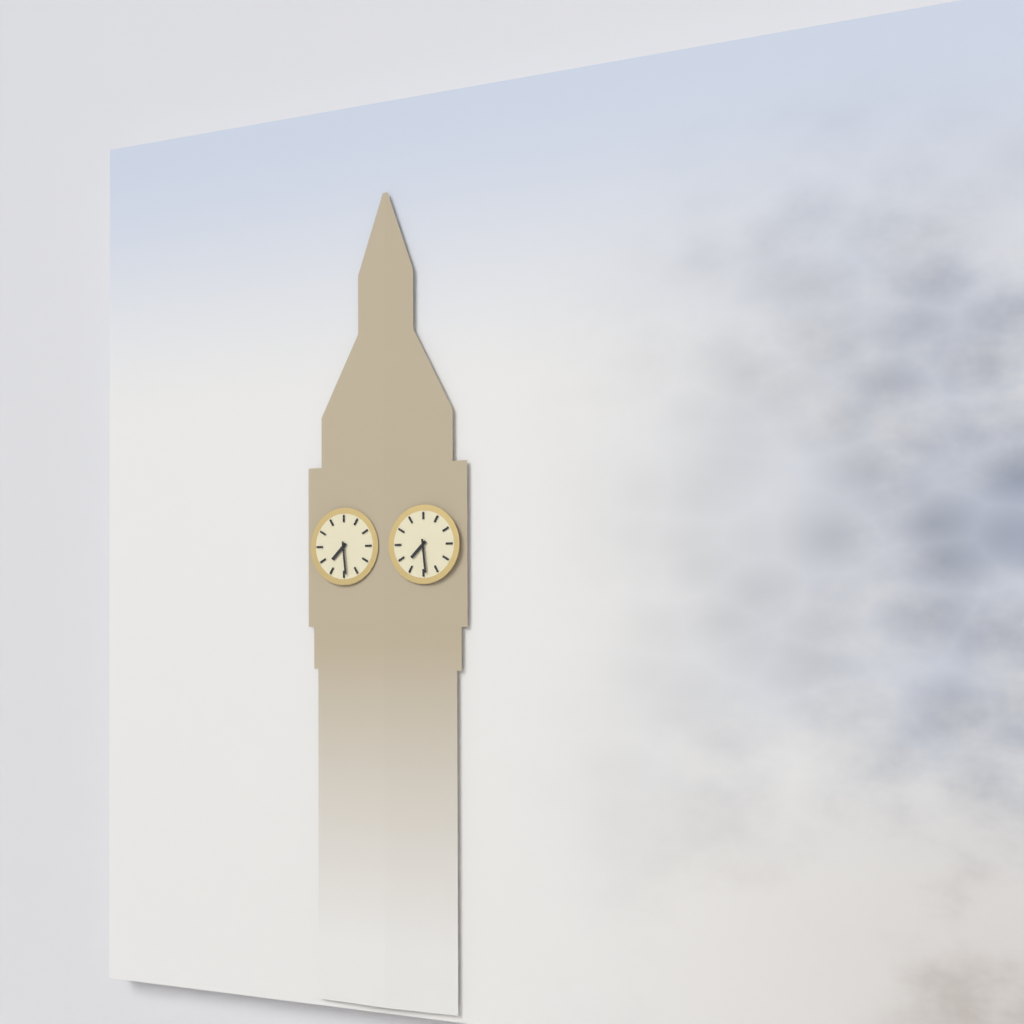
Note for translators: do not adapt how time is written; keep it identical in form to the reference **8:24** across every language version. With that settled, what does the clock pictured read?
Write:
**7:29**
